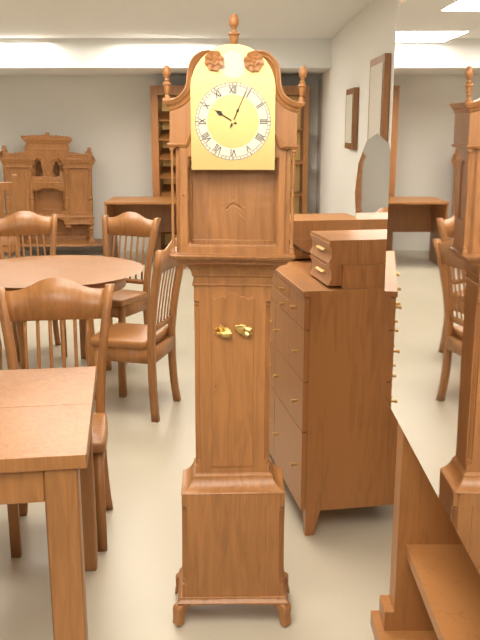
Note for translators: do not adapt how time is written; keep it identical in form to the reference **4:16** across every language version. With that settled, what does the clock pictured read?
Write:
**10:04**
